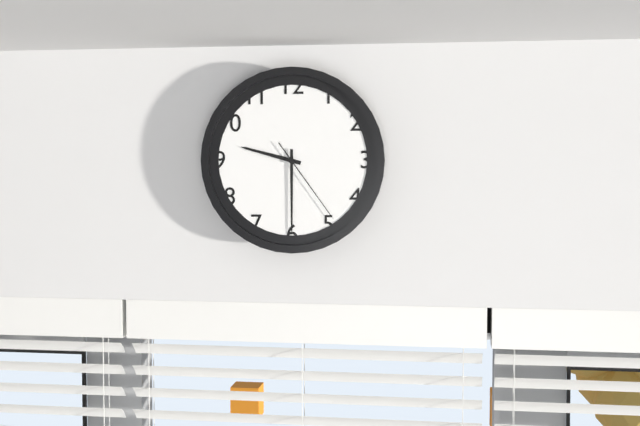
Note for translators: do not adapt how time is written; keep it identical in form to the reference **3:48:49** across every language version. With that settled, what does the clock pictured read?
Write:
**9:30:24**
